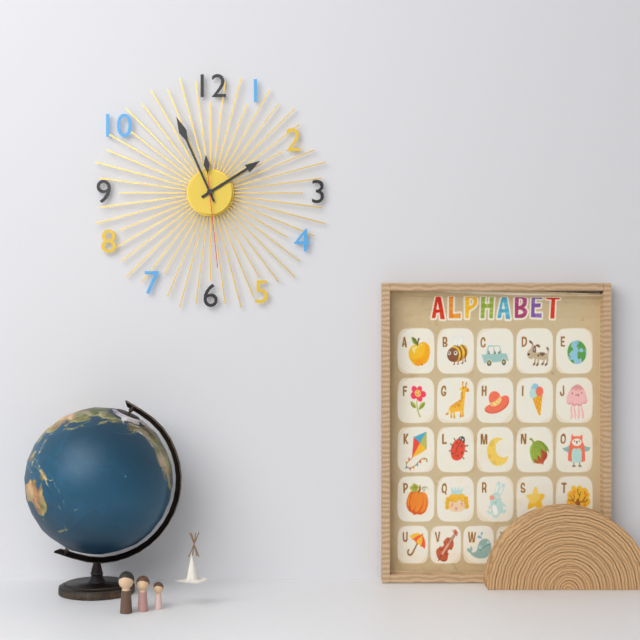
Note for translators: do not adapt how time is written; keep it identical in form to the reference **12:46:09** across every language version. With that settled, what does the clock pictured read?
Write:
**1:56:29**
